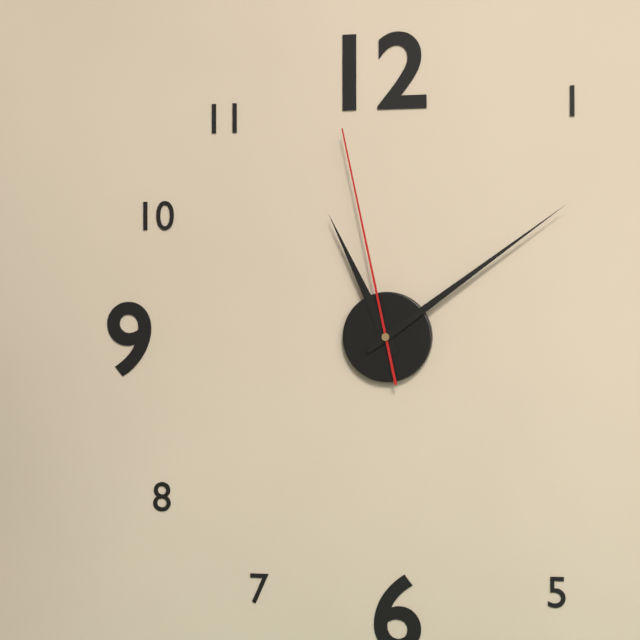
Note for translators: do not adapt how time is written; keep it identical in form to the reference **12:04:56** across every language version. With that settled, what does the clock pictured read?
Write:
**11:09:58**
